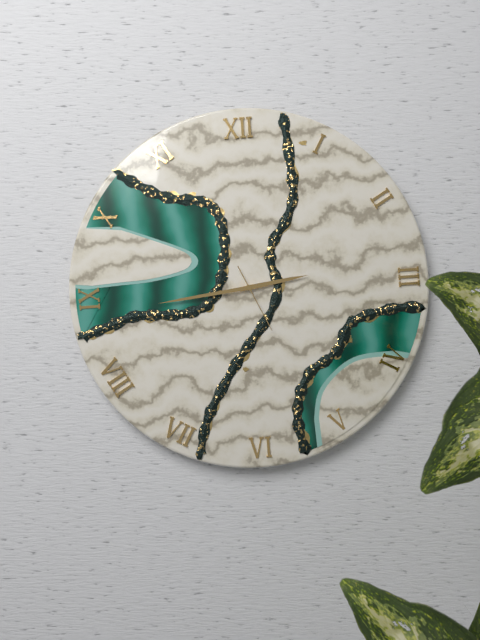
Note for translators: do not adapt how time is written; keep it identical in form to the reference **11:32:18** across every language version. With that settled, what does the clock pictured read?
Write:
**2:44:26**
